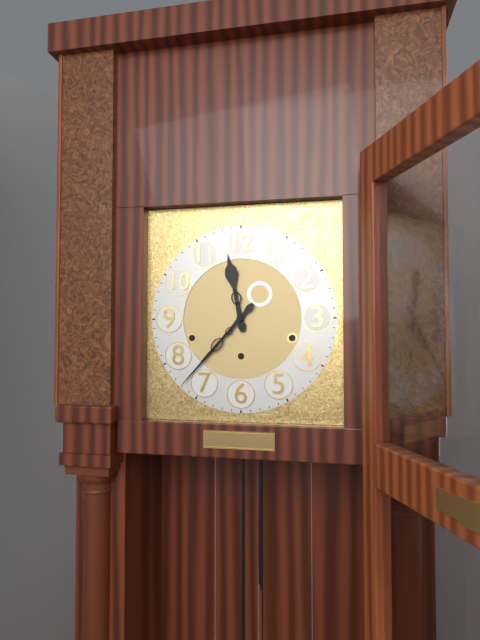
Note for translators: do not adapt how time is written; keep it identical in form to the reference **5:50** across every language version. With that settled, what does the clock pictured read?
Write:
**11:37**
